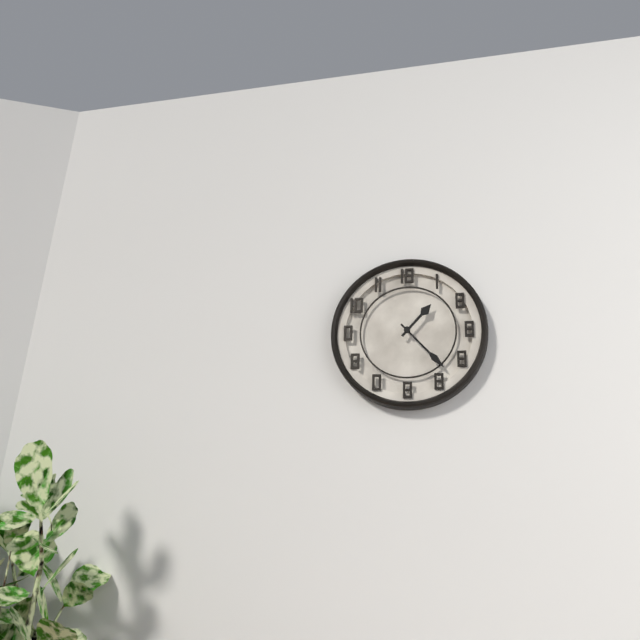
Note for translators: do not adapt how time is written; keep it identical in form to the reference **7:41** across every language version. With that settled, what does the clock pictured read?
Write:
**1:23**
